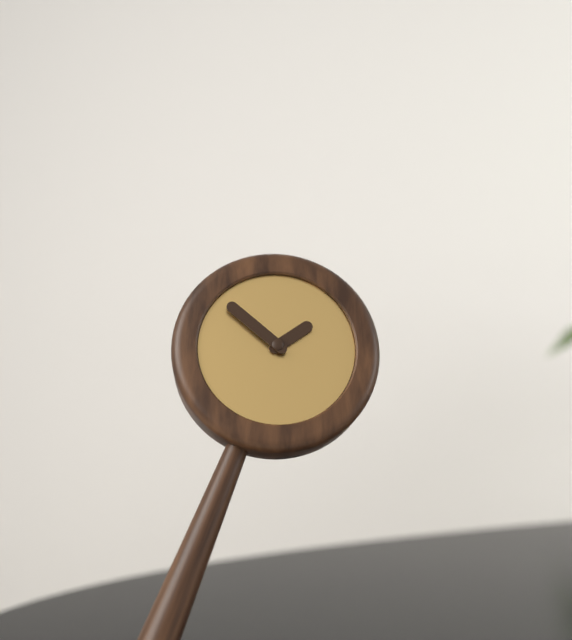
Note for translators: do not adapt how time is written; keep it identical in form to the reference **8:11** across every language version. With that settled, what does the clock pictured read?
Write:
**1:52**
